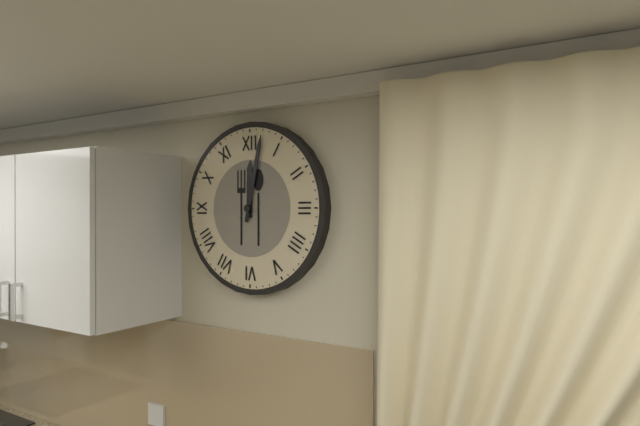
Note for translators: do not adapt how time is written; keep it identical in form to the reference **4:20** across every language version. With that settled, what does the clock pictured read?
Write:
**12:02**
